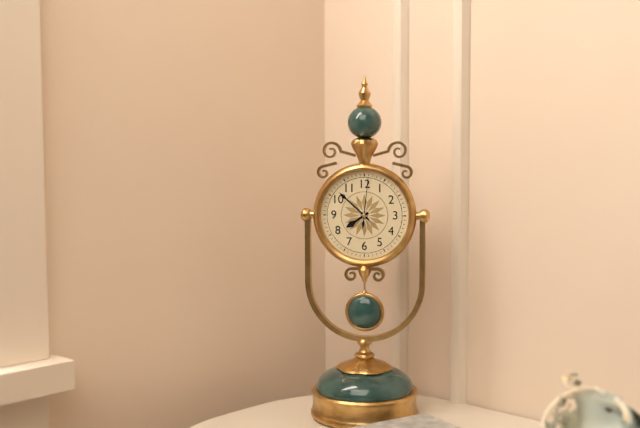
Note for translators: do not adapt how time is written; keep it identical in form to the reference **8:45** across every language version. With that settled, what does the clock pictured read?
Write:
**7:52**
